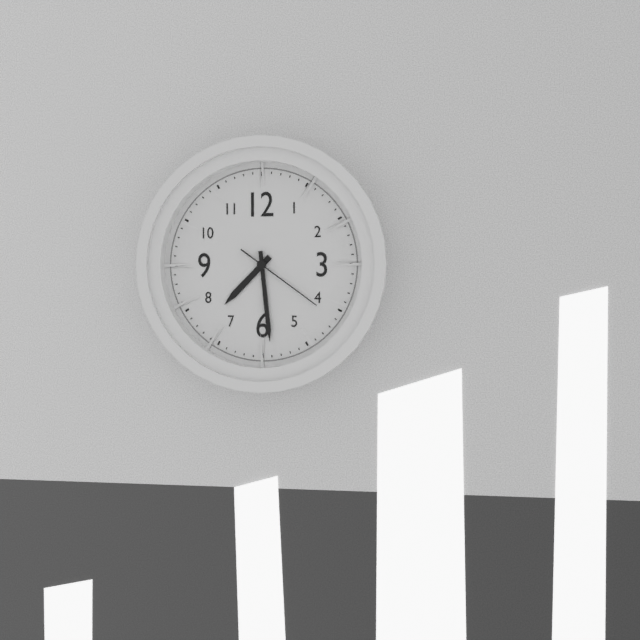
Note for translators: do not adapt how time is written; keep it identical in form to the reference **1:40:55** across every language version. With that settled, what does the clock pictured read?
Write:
**7:29:21**
